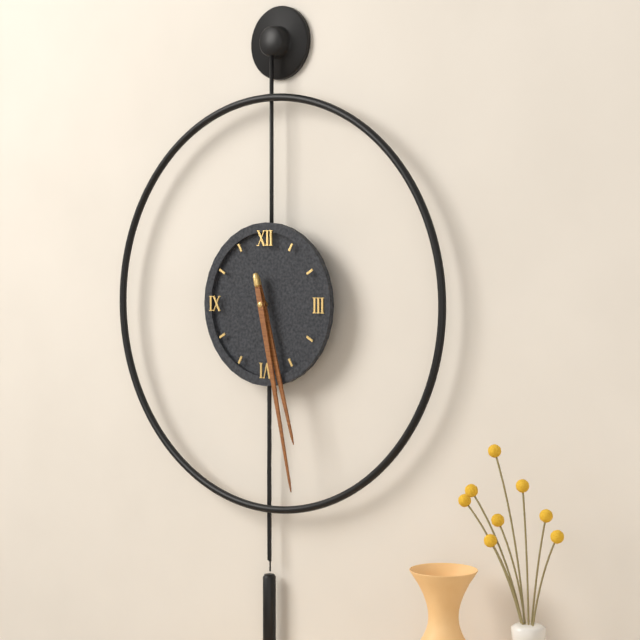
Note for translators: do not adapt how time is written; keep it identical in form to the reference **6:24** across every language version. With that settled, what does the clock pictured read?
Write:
**5:28**
